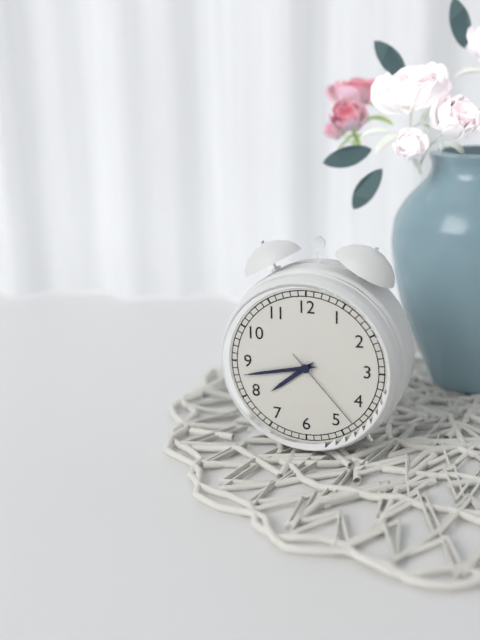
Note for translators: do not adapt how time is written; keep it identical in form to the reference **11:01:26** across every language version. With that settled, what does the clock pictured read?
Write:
**7:43:23**
